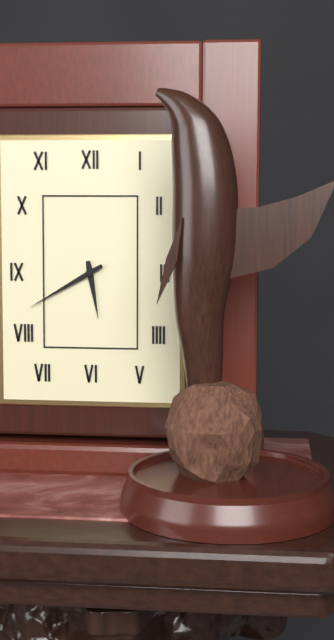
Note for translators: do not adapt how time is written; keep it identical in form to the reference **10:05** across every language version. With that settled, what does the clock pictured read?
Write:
**5:40**
